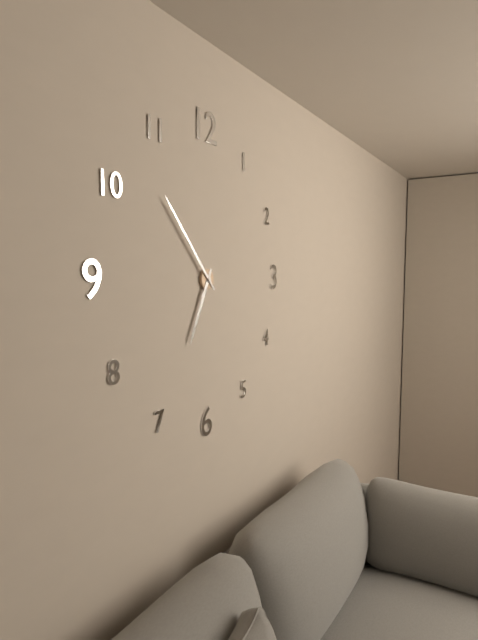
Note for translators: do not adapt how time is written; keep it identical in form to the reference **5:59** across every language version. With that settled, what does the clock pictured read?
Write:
**6:53**
